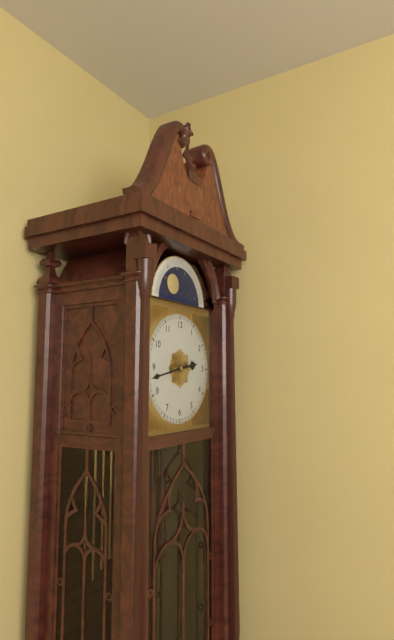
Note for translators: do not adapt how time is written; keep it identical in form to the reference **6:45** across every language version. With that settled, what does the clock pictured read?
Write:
**2:43**
